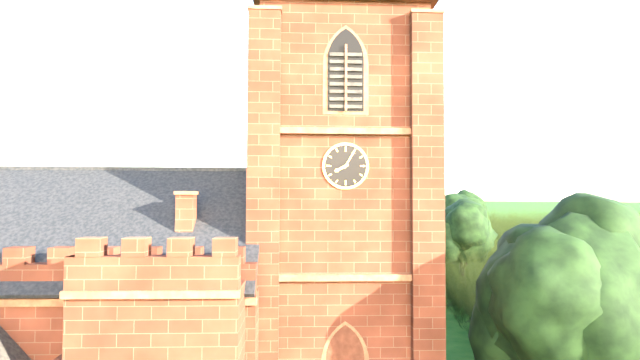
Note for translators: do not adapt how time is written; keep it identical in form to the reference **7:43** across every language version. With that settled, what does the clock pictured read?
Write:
**8:05**
